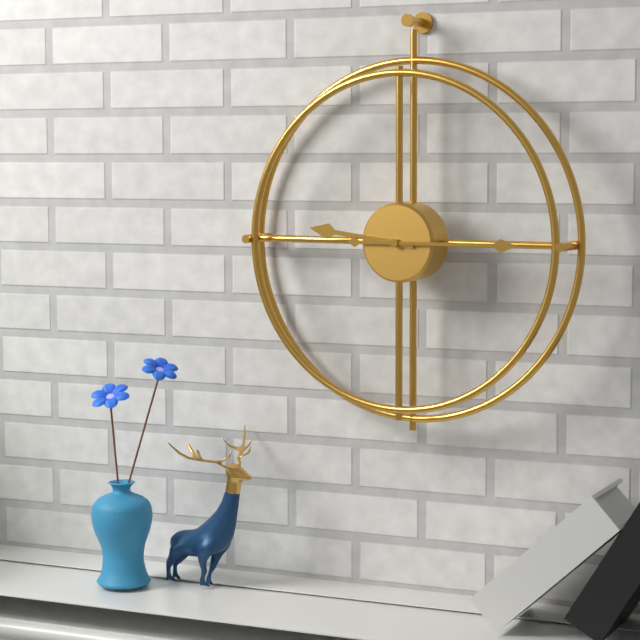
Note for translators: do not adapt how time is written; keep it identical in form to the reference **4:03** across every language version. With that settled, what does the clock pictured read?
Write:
**9:15**
